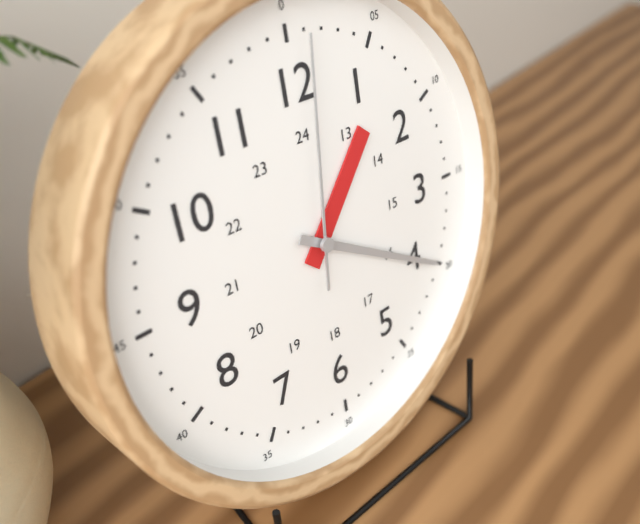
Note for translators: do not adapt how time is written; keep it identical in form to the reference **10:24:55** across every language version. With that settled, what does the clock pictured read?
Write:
**1:20:01**
